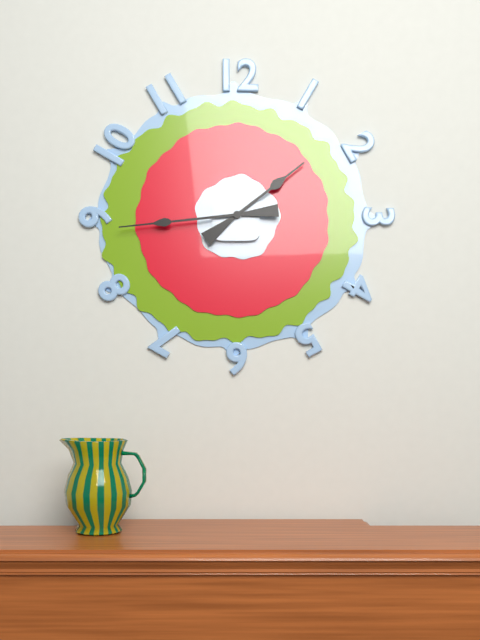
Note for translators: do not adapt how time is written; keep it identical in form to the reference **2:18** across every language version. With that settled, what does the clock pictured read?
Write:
**1:44**
